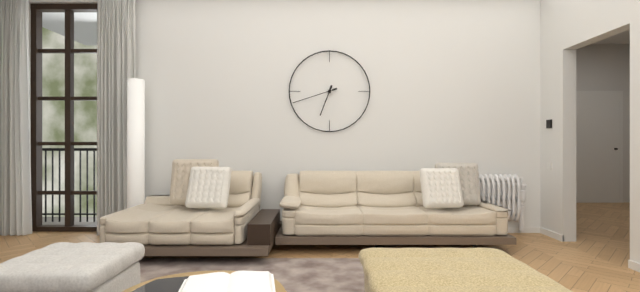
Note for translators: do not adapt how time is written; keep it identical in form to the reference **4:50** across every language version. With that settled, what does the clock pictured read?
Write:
**6:42**
